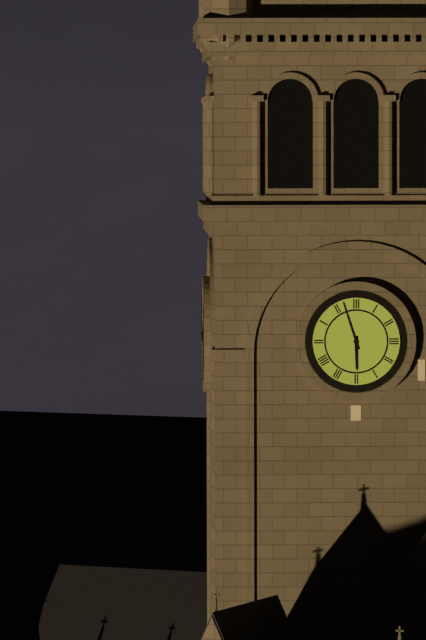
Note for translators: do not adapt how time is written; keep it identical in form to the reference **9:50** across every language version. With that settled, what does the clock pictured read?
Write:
**5:57**
